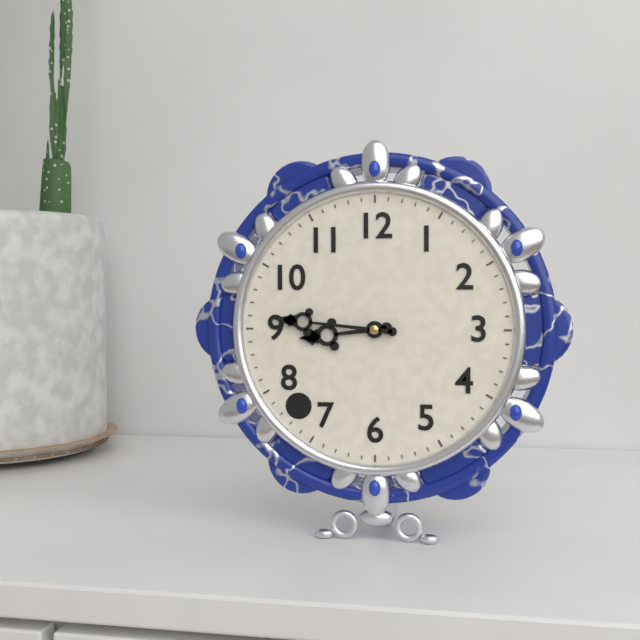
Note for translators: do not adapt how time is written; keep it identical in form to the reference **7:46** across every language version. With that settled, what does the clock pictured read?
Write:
**8:46**
